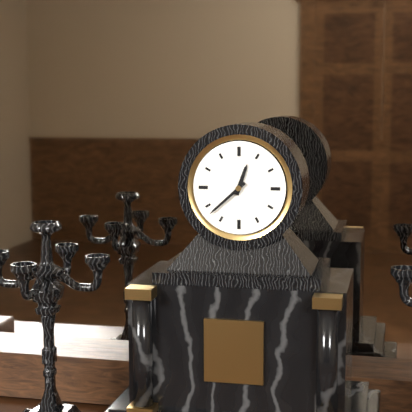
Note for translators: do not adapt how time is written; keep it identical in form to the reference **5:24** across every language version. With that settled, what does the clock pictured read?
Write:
**12:38**
